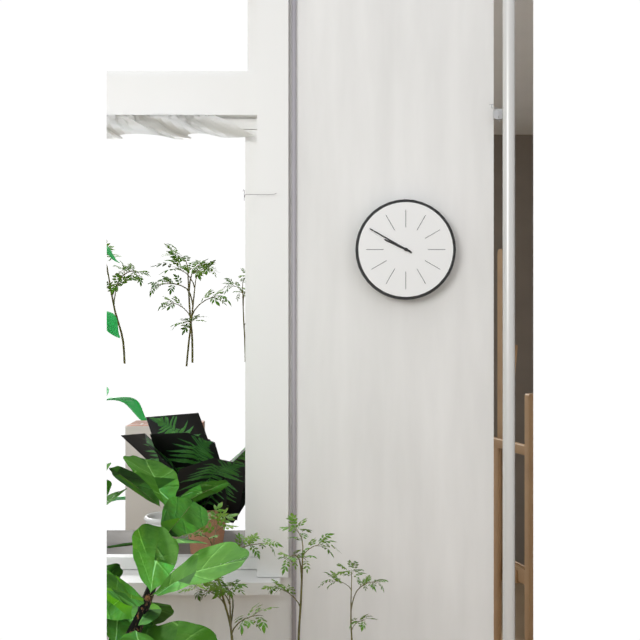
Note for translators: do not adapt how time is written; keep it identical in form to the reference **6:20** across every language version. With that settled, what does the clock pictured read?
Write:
**9:50**
